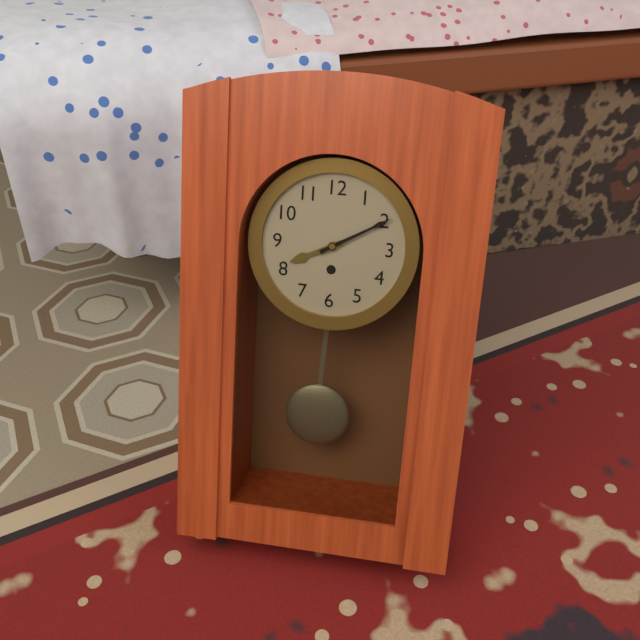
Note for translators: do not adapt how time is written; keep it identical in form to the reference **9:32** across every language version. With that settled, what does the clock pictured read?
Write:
**8:10**
